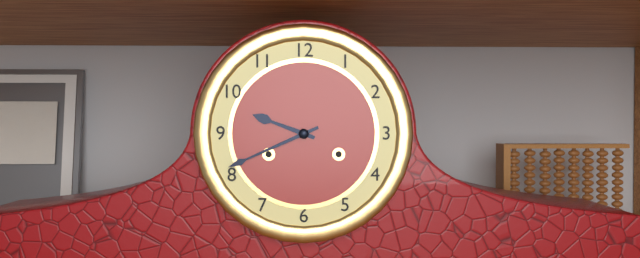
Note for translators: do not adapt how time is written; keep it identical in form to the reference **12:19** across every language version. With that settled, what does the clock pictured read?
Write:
**9:41**
